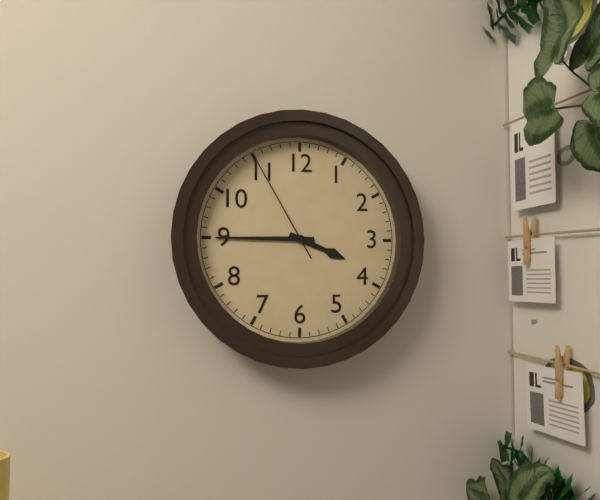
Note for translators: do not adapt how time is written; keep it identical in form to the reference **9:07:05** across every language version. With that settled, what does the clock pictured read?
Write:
**3:45:55**
